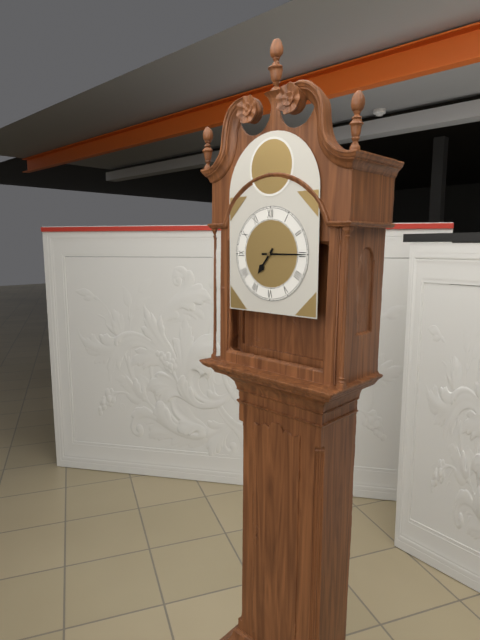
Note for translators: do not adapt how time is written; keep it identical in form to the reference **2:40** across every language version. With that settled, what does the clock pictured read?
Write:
**7:15**
